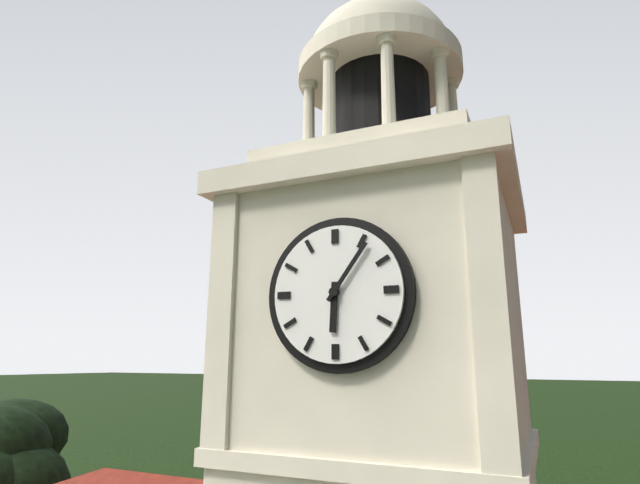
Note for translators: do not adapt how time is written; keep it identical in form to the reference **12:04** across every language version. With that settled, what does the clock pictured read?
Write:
**6:06**
